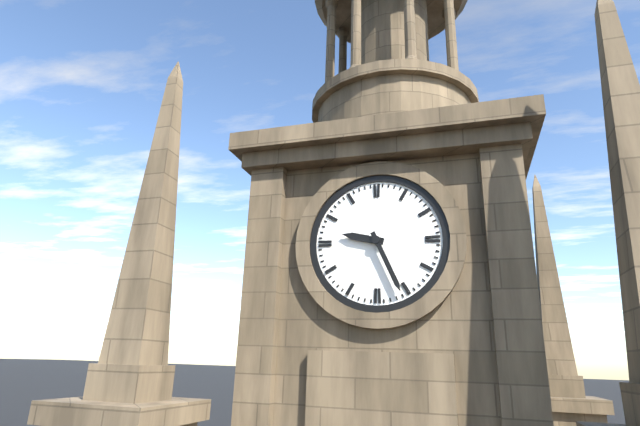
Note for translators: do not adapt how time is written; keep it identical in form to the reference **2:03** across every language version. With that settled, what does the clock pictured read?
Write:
**9:26**
